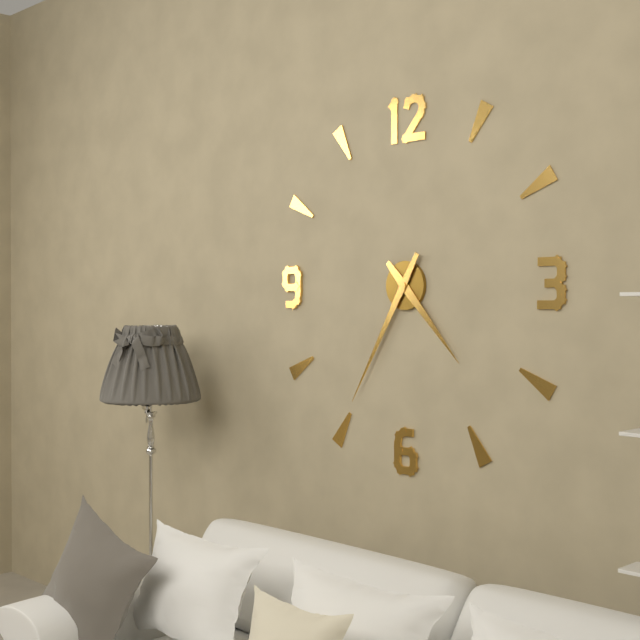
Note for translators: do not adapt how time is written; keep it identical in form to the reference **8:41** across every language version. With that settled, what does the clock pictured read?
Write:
**4:35**
